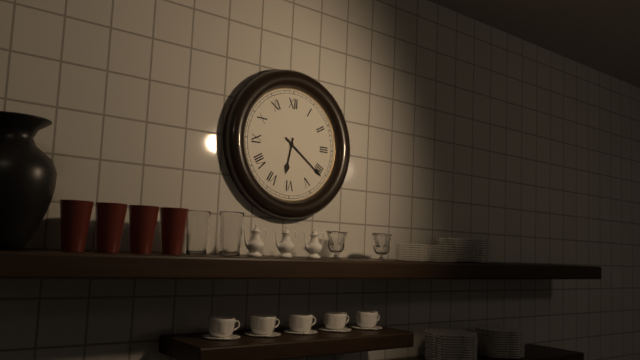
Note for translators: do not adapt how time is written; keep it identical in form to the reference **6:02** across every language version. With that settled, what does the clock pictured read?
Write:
**6:21**
